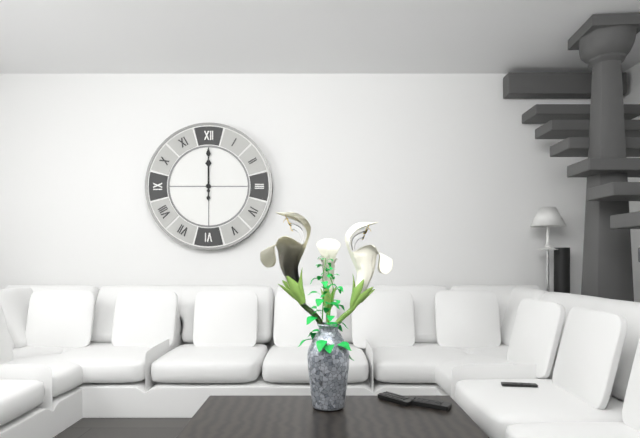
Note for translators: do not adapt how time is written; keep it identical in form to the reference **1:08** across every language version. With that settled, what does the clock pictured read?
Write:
**12:00**
